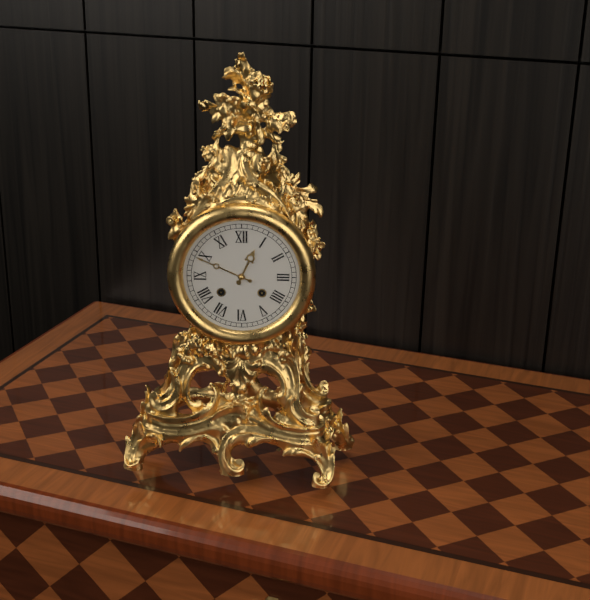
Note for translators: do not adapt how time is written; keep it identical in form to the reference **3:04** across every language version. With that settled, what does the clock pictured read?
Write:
**12:49**
